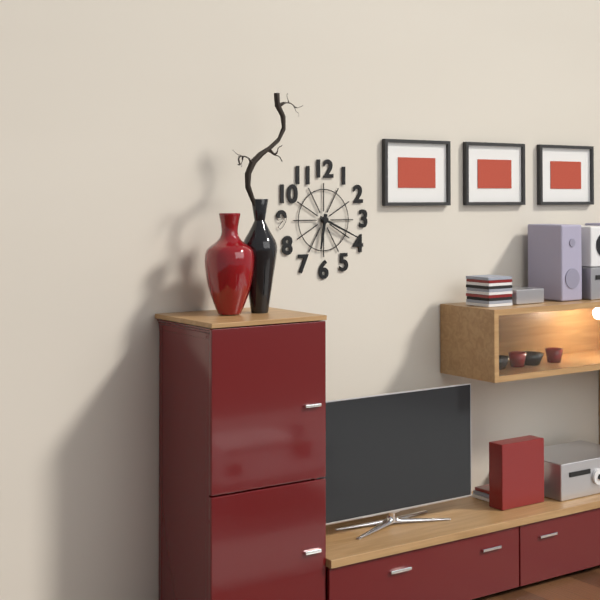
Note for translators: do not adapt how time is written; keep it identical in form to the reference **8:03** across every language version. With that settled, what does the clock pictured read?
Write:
**6:19**
